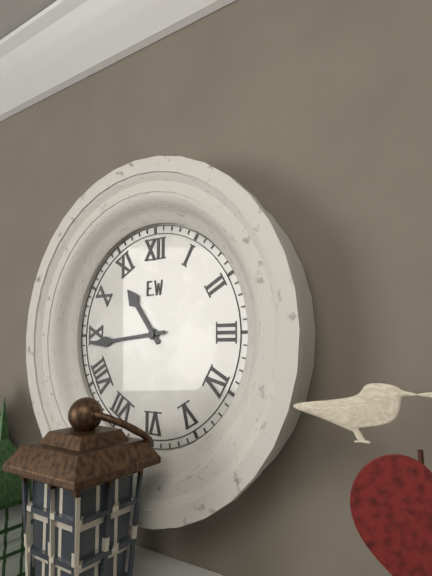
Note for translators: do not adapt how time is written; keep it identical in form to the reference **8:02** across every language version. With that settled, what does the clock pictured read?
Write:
**10:44**
